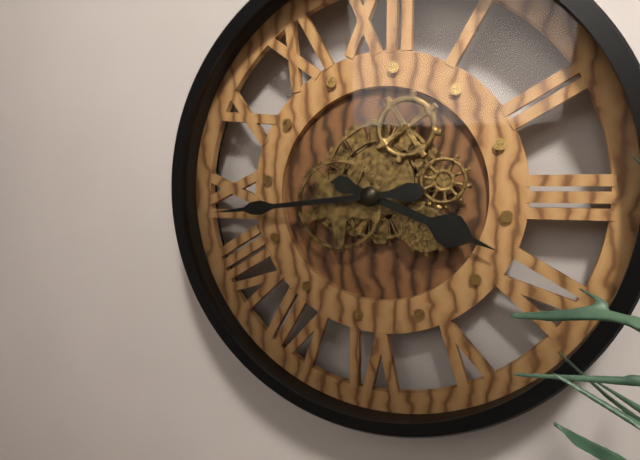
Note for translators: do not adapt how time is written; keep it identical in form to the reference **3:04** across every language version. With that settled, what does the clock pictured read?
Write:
**3:44**
